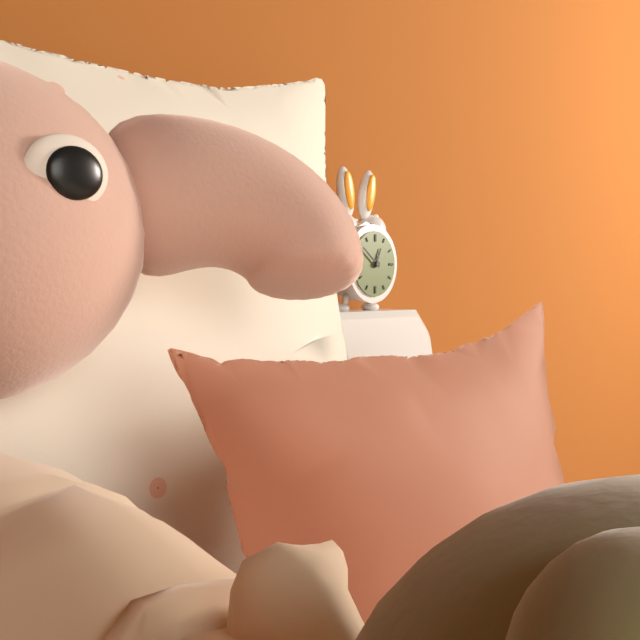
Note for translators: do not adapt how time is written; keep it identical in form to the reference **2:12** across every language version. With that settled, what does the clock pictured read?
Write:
**12:51**
